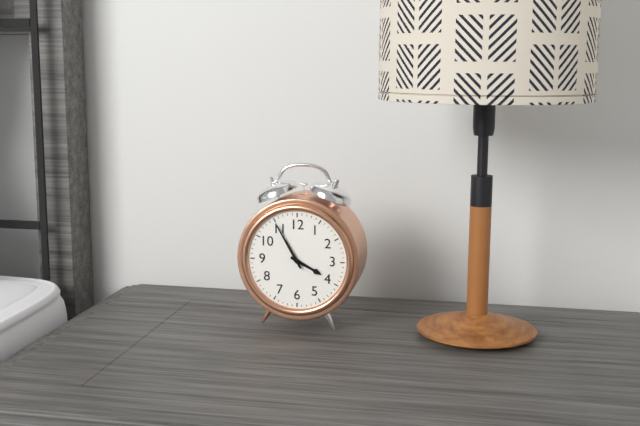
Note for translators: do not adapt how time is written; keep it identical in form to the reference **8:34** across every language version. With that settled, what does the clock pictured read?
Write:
**3:55**
